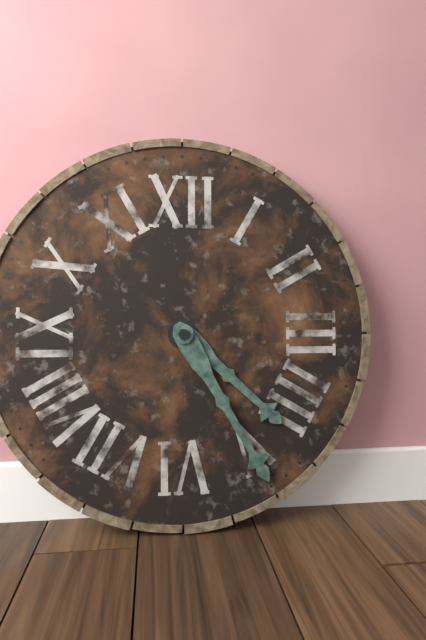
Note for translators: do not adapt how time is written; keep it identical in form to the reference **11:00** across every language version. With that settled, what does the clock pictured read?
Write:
**4:25**
